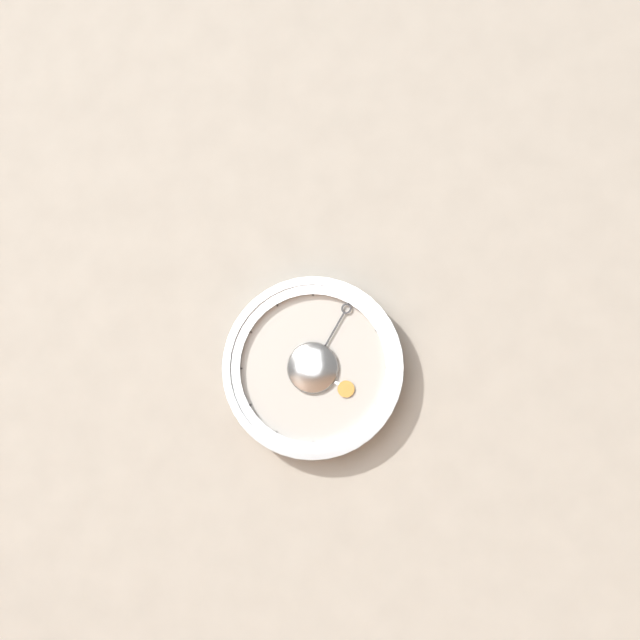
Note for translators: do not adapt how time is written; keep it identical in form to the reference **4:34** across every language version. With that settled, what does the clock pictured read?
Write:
**4:05**
